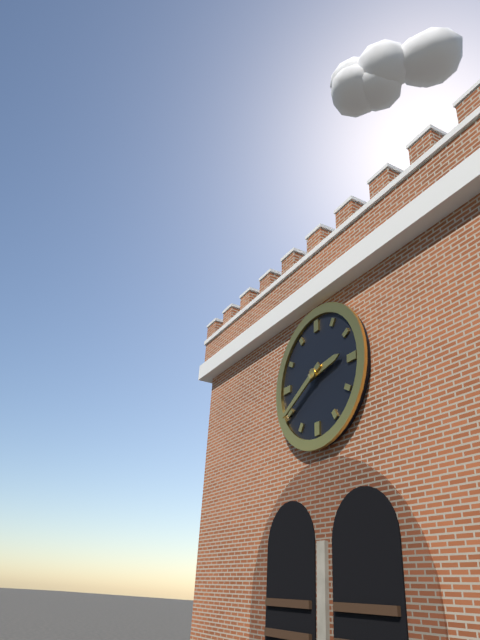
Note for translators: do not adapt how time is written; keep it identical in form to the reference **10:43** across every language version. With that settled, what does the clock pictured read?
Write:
**2:40**
